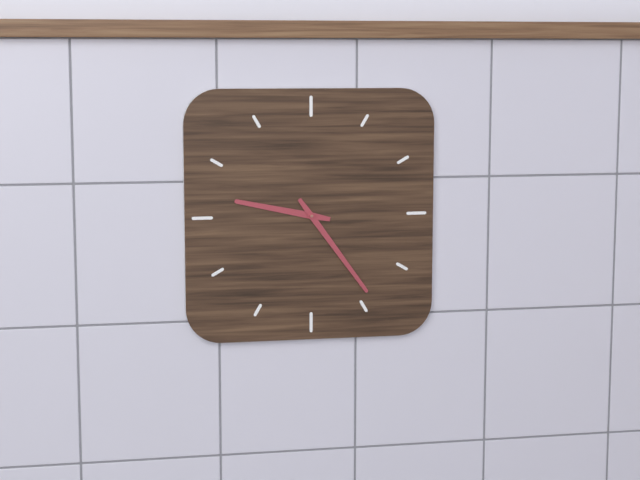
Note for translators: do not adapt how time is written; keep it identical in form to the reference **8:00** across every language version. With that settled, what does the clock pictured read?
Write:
**9:24**
